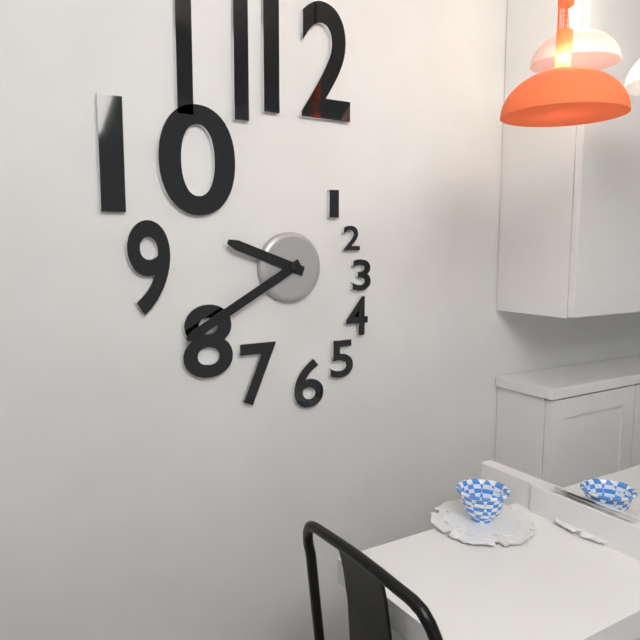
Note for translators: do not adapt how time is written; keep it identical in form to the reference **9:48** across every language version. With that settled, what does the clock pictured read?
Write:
**9:40**
